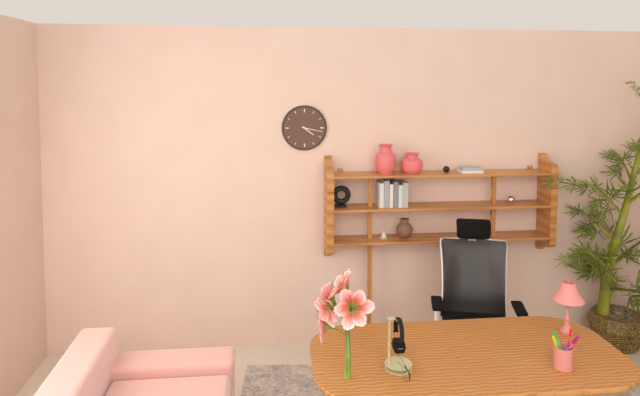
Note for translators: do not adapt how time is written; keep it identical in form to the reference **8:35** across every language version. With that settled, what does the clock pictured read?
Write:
**4:17**
